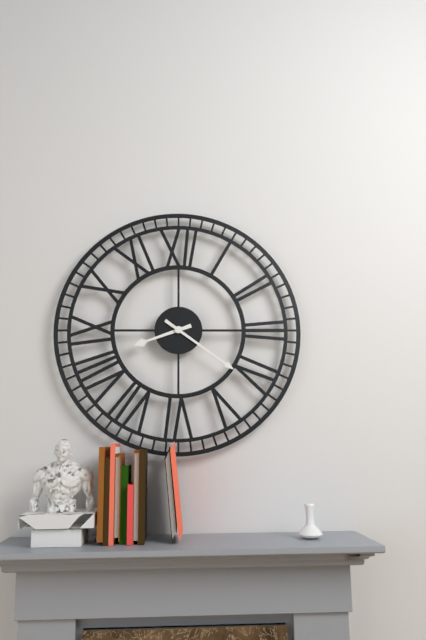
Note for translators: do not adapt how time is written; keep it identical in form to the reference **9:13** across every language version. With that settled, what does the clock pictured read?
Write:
**8:21**
